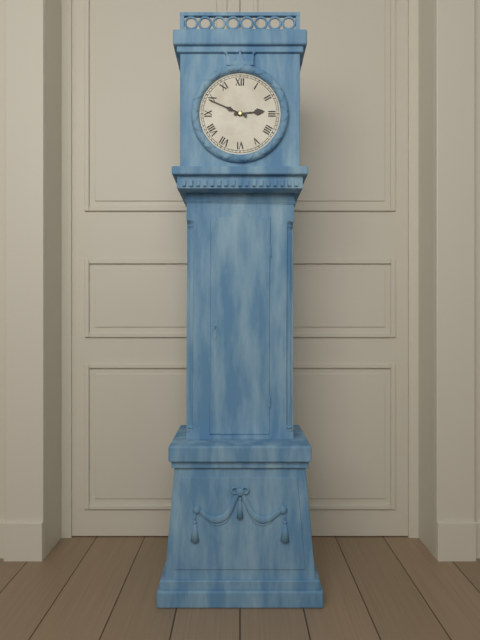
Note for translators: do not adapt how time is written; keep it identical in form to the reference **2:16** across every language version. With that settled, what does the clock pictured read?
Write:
**2:49**
